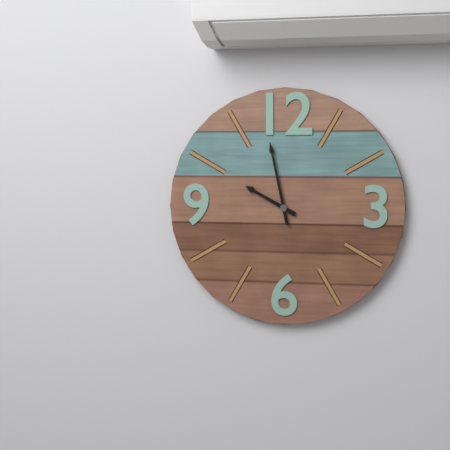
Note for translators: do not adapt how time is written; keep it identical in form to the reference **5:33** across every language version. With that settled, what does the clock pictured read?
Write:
**9:58**
